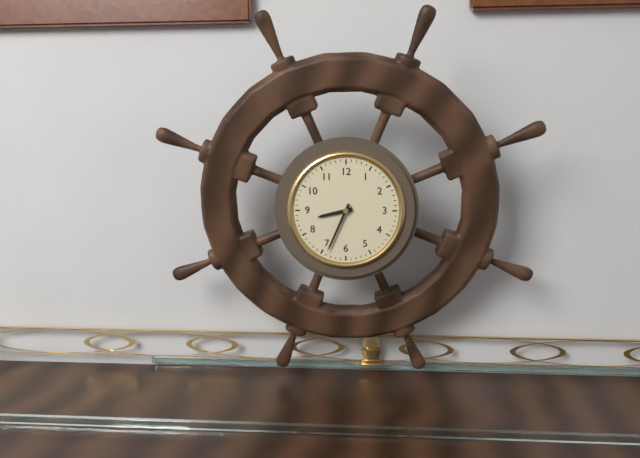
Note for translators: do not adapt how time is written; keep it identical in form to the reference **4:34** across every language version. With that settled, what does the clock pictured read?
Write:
**8:34**
